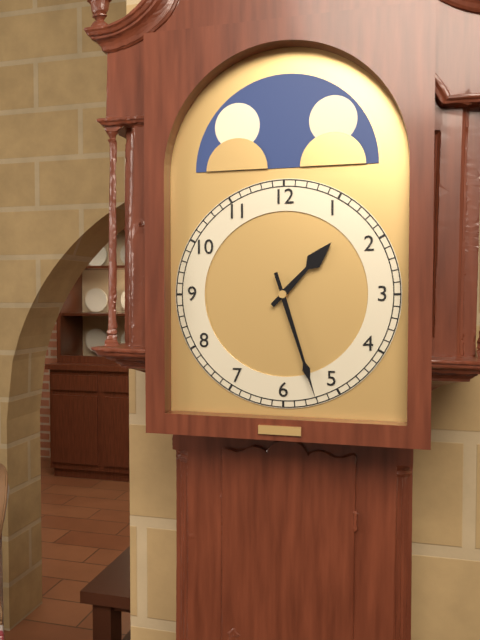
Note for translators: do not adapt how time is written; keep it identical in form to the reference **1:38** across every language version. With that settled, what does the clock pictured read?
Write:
**1:27**
